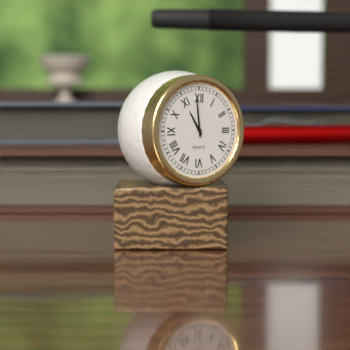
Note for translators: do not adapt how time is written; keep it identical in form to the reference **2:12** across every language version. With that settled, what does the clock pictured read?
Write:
**10:59**
